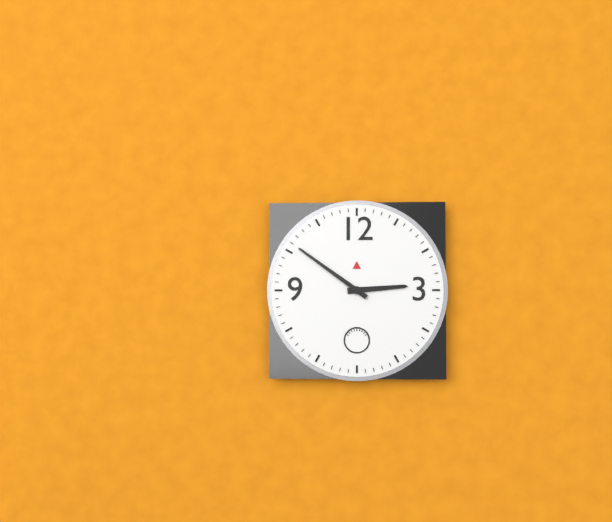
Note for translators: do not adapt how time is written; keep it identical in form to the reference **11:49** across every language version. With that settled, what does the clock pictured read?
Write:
**2:51**
